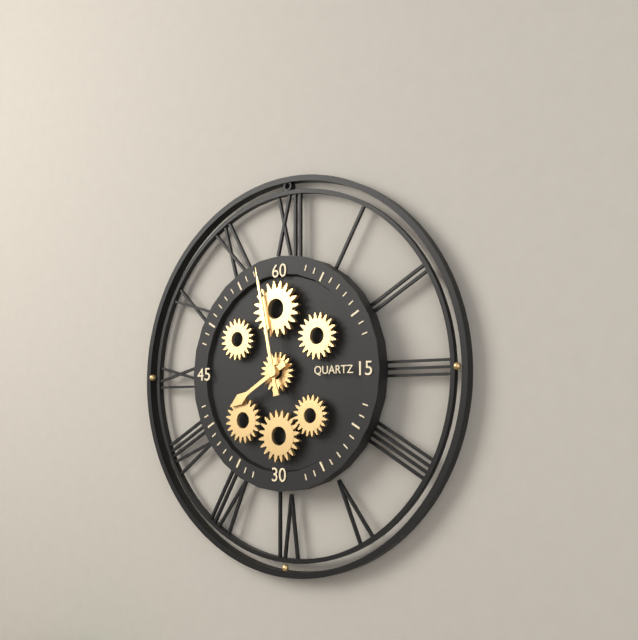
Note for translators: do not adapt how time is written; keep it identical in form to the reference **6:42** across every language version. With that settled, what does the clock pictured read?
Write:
**7:58**
